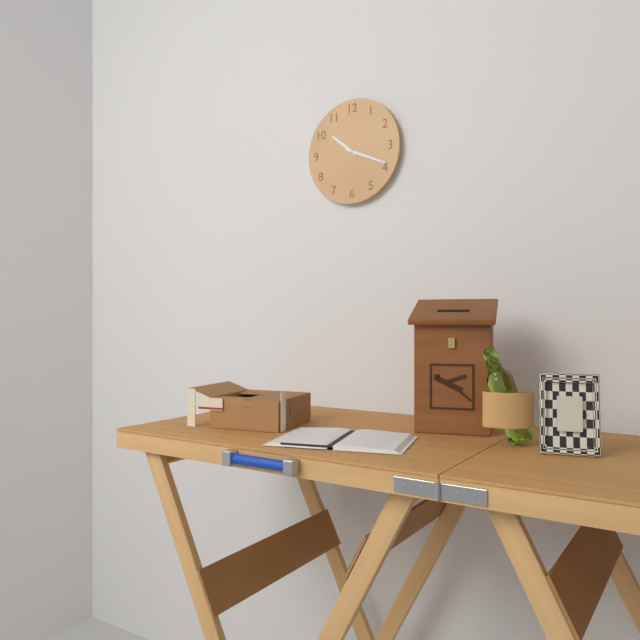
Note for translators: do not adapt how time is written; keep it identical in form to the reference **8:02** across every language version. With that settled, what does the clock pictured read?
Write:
**10:19**
